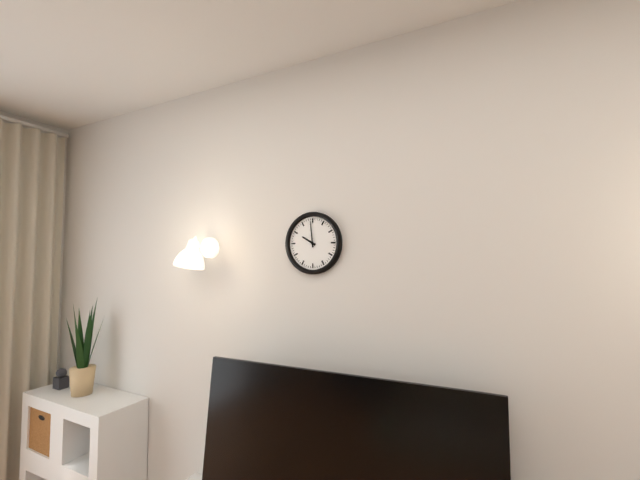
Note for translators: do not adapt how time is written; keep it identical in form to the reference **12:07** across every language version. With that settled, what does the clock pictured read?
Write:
**9:59**
